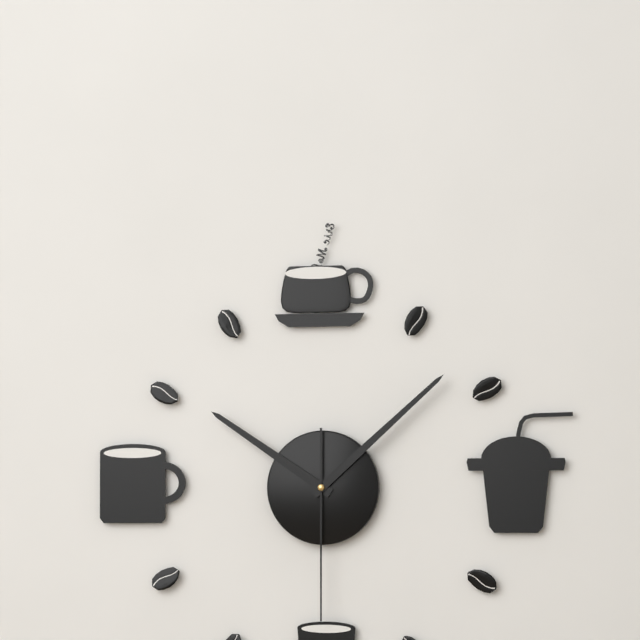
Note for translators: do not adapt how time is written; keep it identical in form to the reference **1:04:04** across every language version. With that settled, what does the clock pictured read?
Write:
**10:08:30**
